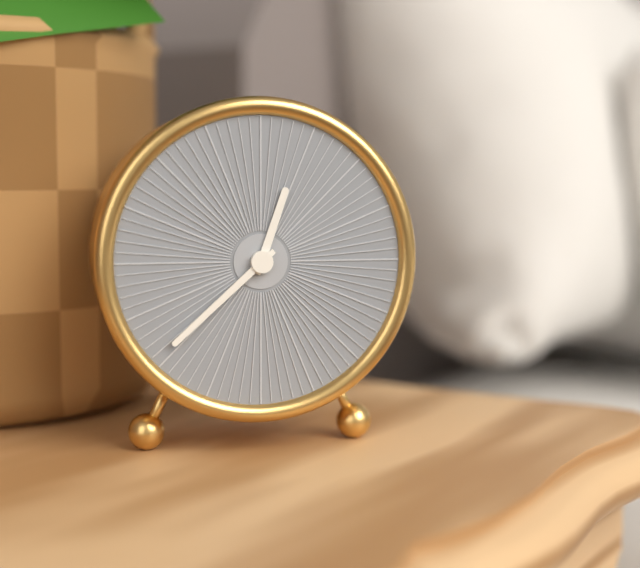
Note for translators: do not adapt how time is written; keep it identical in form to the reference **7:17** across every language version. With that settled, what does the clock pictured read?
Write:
**12:38**
